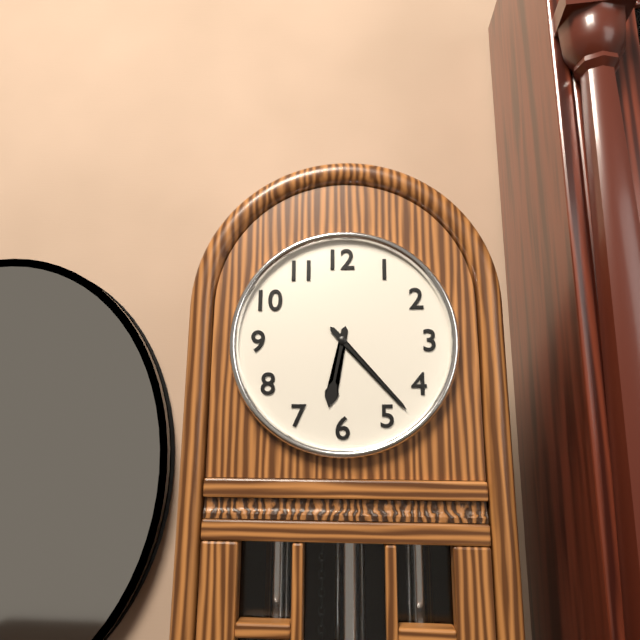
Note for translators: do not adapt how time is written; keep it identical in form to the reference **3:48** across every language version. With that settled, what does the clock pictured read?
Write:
**6:23**
